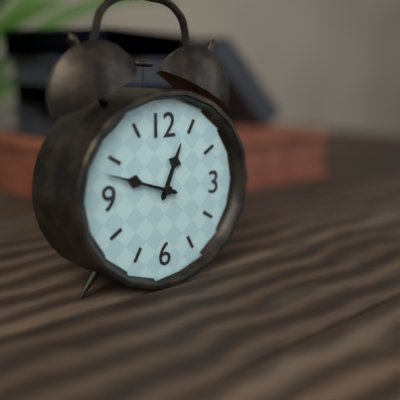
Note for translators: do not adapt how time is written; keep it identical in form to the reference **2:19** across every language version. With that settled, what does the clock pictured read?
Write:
**12:48**
